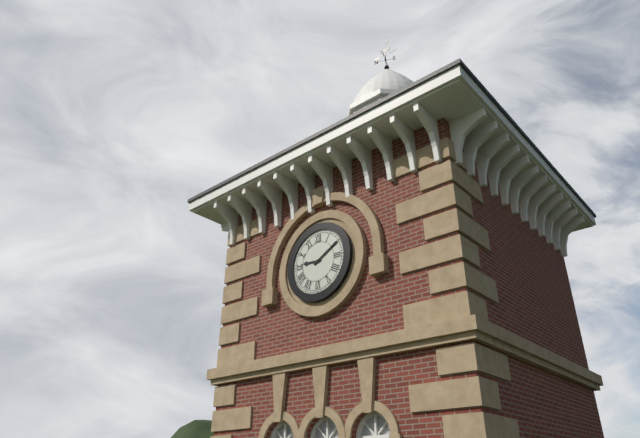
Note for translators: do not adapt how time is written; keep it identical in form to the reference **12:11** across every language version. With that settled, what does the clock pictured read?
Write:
**9:10**
